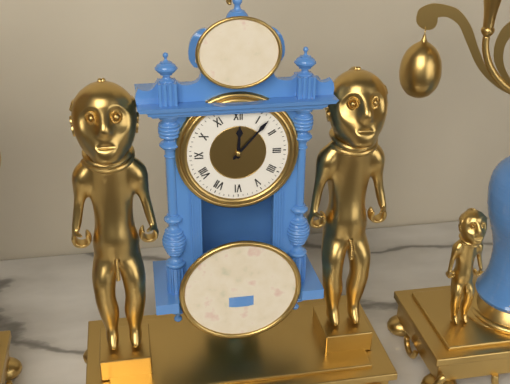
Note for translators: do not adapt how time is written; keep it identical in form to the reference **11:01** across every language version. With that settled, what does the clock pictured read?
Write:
**12:07**
